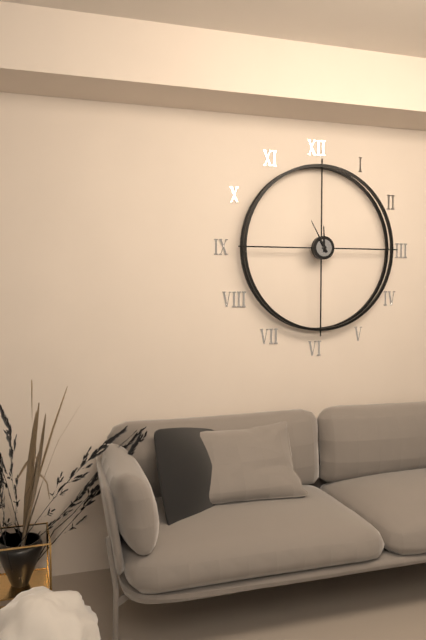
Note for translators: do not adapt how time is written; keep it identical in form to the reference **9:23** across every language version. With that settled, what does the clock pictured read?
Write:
**11:55**
